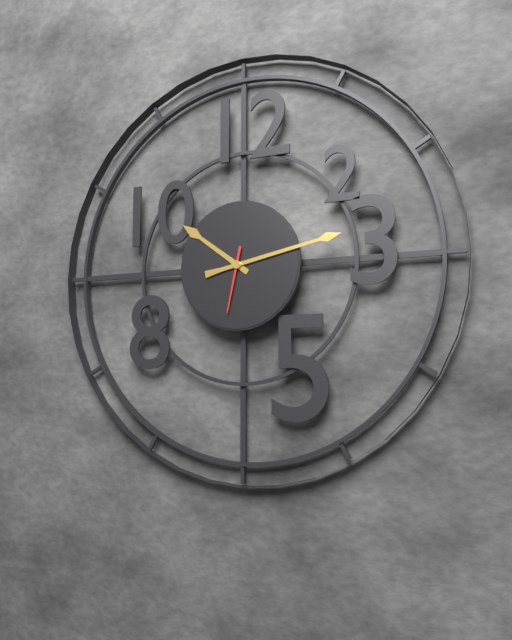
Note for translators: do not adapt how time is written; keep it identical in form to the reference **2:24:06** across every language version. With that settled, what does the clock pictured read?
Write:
**10:13:32**
